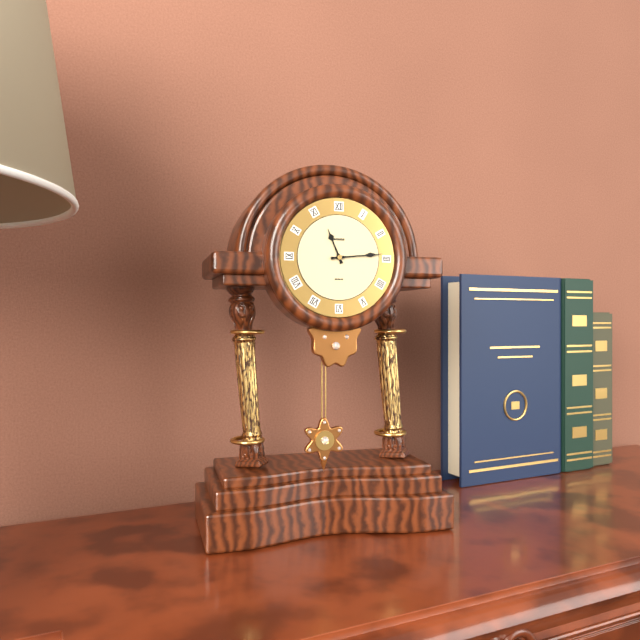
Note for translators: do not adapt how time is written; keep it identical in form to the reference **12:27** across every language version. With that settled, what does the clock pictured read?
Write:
**11:14**
